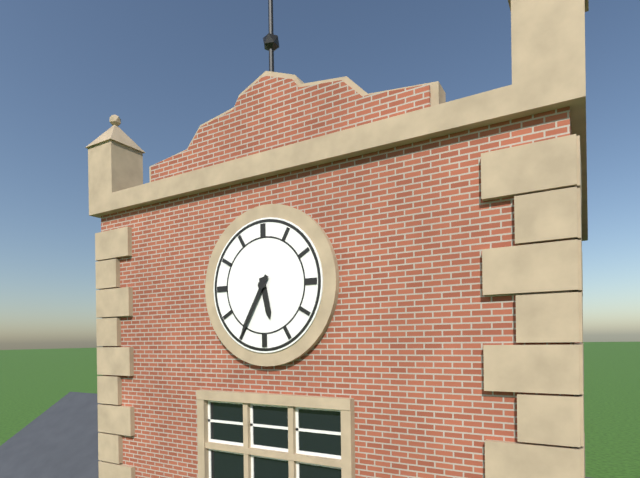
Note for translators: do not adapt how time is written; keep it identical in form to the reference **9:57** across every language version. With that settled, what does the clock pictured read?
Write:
**5:35**
